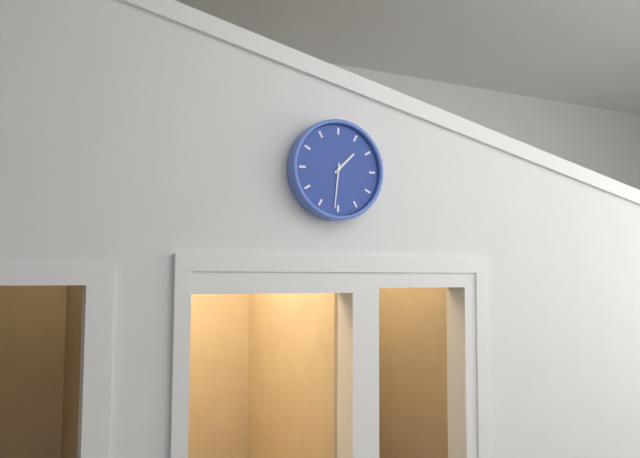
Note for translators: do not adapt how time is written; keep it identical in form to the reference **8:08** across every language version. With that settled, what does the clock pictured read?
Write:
**1:31**
